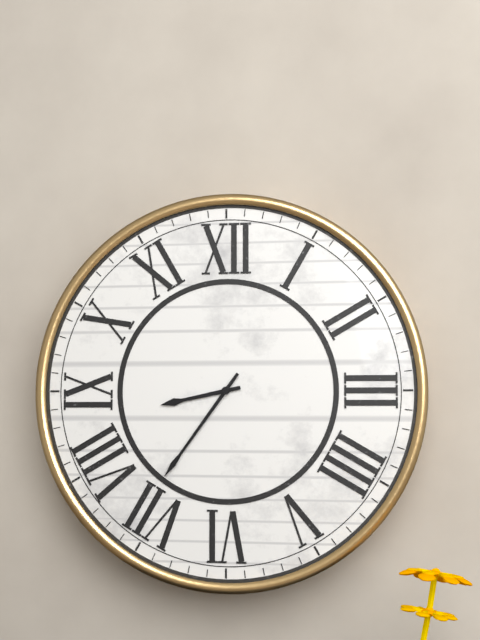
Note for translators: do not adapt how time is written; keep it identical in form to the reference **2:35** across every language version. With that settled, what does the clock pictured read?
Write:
**8:36**
